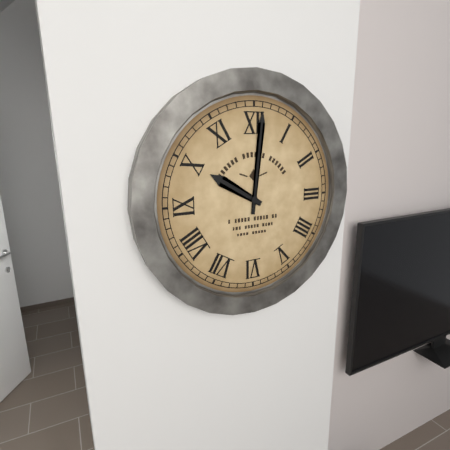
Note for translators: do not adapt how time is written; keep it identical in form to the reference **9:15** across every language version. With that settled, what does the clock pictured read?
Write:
**10:01**
